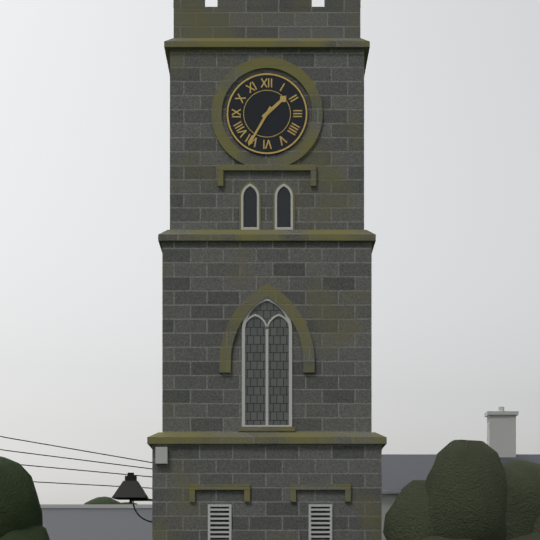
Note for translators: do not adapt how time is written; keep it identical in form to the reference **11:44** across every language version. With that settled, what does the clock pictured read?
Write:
**1:35**
